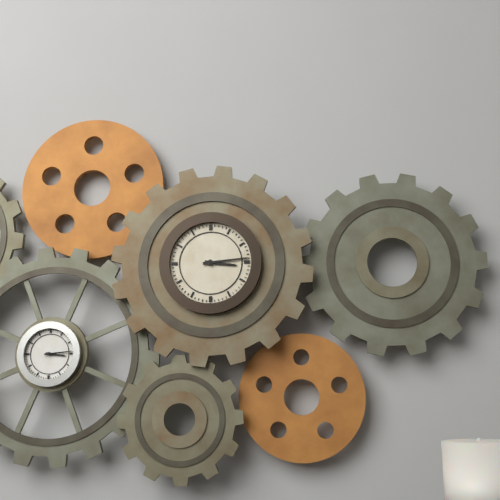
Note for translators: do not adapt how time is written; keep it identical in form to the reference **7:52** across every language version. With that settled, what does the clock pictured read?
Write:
**3:14**
